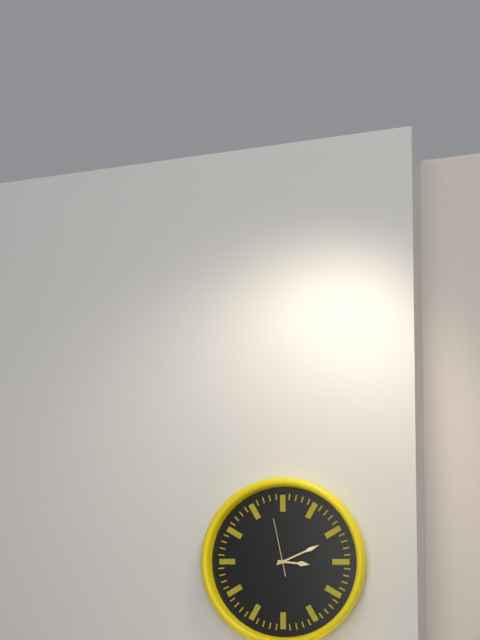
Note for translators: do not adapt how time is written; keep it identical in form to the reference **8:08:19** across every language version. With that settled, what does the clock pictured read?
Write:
**3:11:58**
